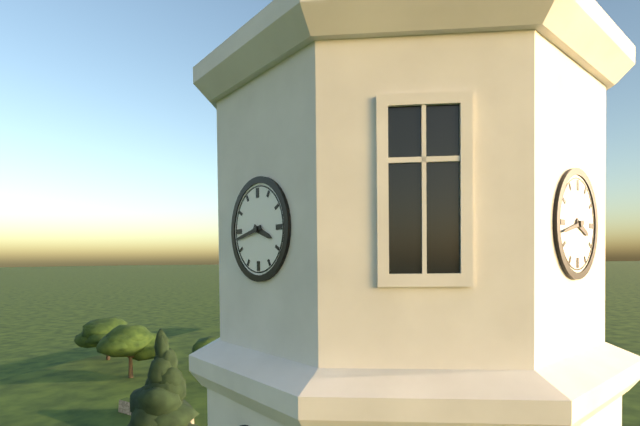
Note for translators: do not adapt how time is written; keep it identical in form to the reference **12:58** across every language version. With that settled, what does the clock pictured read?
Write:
**3:43**
